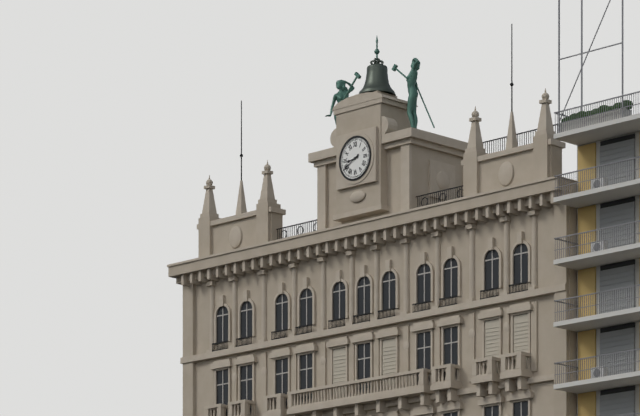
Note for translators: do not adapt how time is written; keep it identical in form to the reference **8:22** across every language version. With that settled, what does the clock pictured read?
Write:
**8:40**
